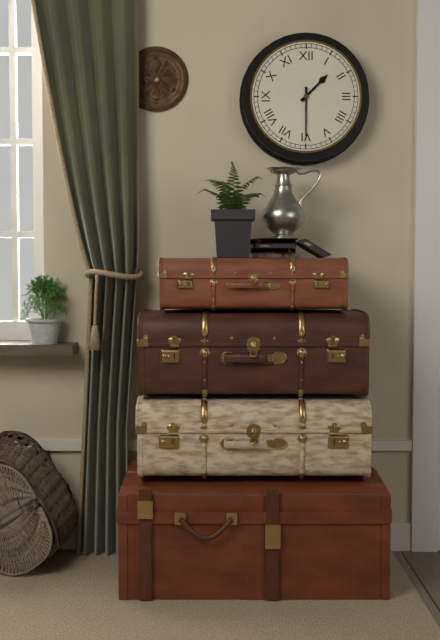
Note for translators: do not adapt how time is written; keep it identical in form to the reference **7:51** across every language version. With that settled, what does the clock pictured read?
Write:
**1:30**
